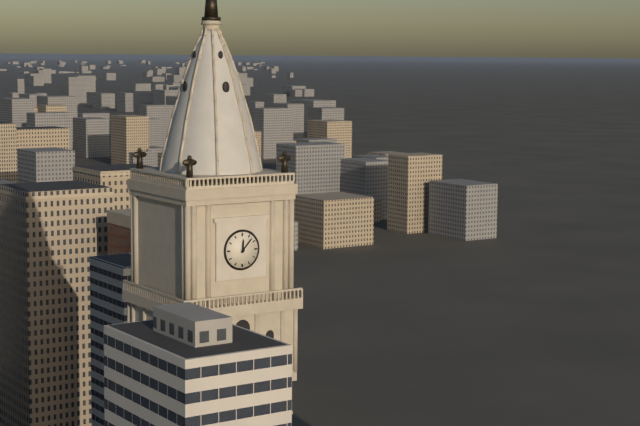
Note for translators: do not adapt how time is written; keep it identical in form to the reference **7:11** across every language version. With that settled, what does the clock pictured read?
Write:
**12:07**
